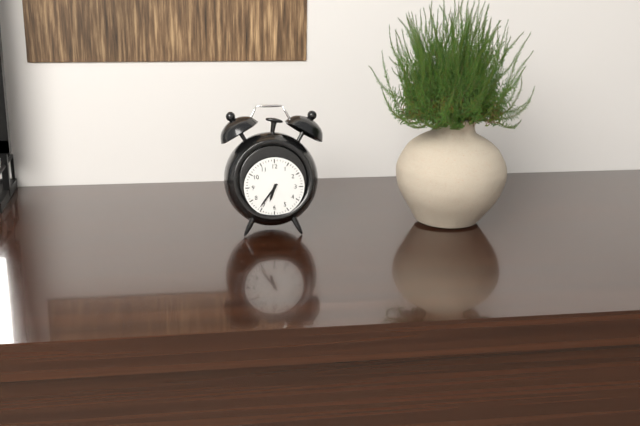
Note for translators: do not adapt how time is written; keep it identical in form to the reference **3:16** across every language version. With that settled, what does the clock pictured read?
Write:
**6:36**
